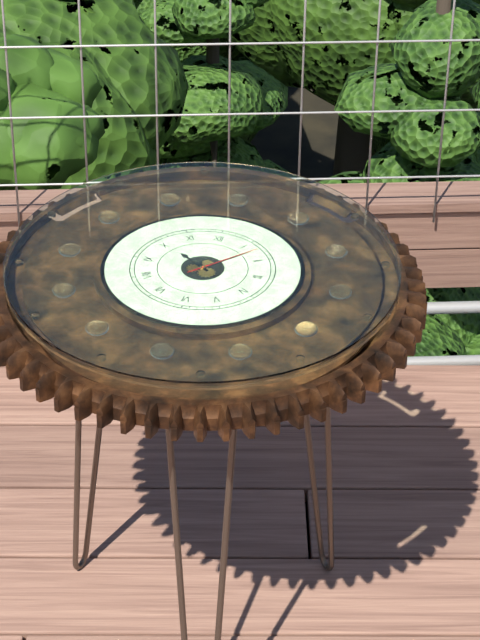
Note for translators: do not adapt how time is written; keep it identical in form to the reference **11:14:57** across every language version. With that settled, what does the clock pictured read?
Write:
**10:07:07**
